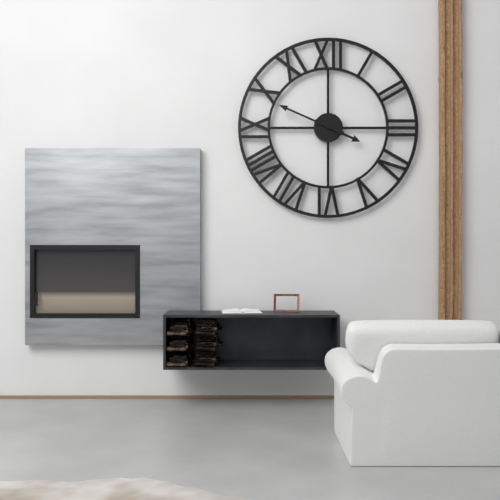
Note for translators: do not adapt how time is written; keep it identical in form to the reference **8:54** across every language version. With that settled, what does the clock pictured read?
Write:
**3:49**
